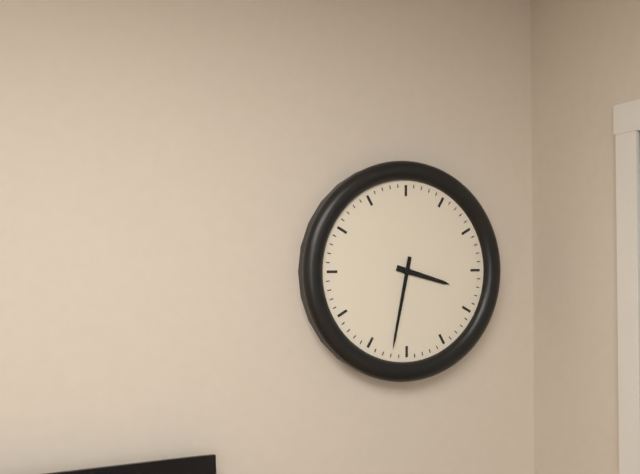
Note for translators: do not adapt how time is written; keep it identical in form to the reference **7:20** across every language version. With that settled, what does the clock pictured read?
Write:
**3:32**
